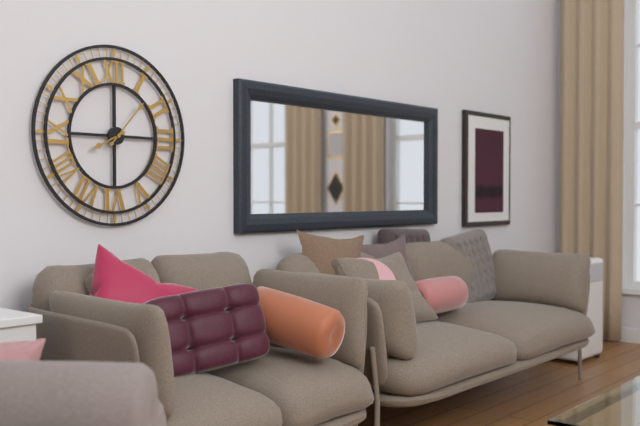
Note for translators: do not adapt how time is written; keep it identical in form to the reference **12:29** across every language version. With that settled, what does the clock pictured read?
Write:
**8:07**
